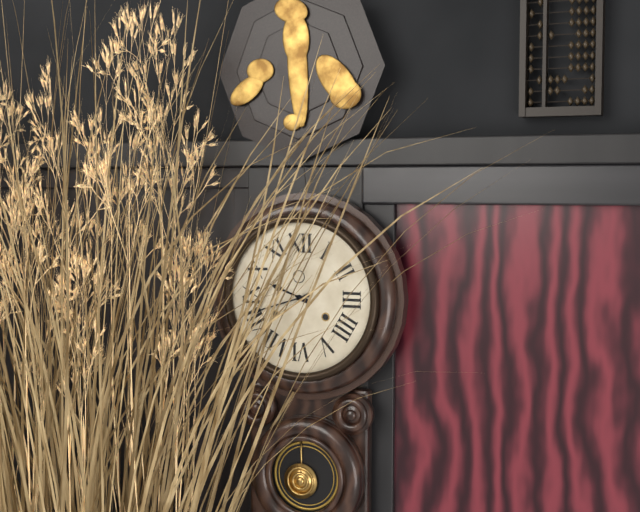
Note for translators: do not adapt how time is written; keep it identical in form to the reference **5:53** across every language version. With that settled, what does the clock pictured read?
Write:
**9:42**
